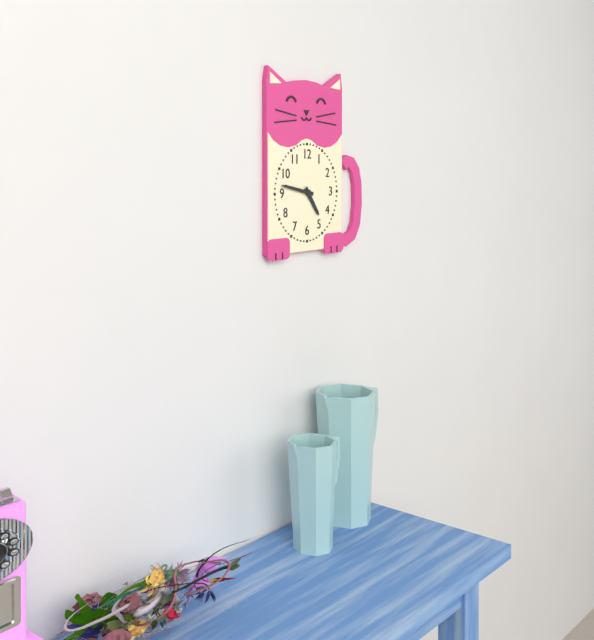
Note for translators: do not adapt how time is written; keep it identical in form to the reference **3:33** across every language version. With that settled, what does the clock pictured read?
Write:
**4:47**
